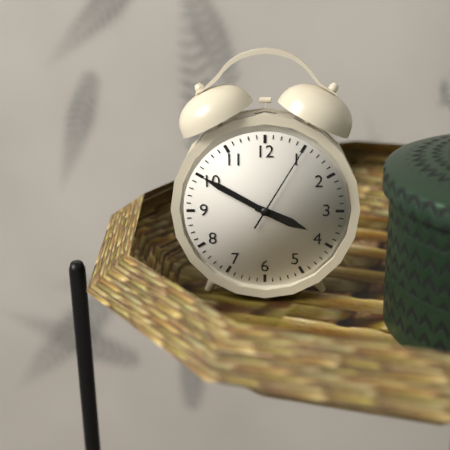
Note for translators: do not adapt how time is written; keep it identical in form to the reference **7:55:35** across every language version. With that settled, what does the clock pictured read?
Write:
**3:50:05**
